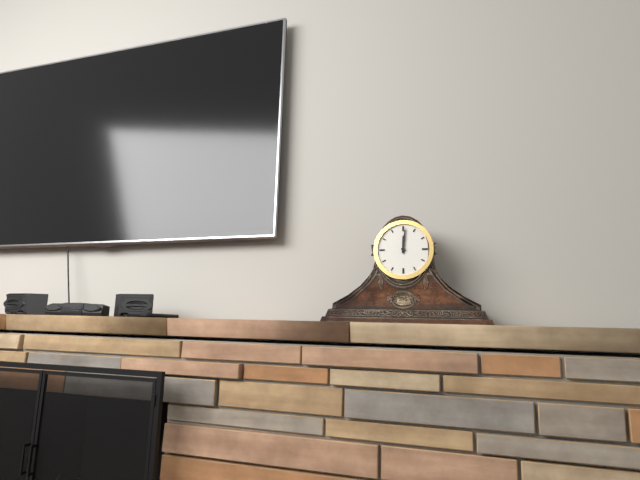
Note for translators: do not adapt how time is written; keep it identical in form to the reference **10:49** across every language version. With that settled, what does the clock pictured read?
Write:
**12:01**
